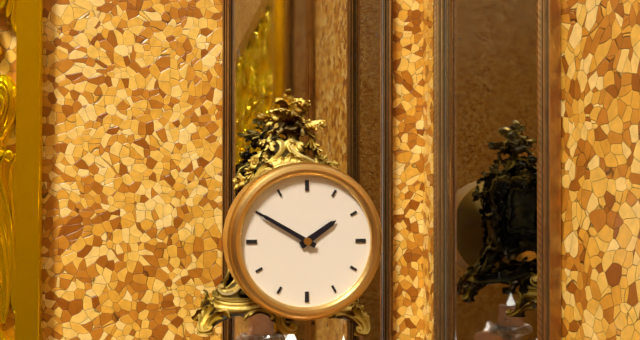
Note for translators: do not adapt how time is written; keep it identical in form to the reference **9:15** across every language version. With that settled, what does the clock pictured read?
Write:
**1:50**
